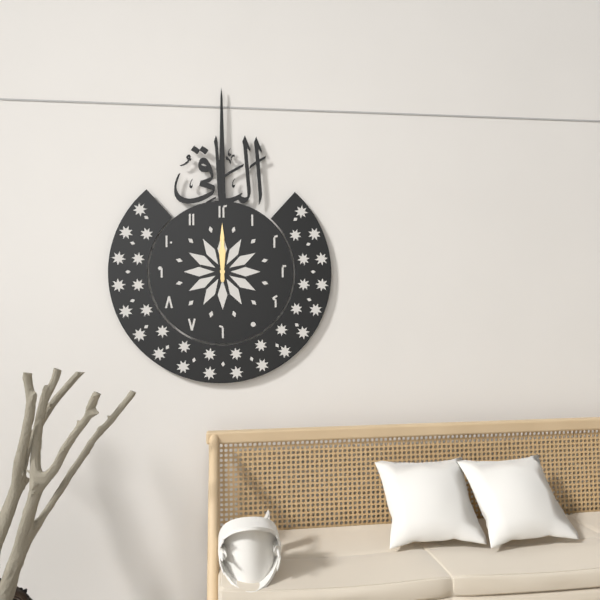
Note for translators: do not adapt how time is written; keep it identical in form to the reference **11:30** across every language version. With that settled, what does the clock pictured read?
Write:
**12:00**
